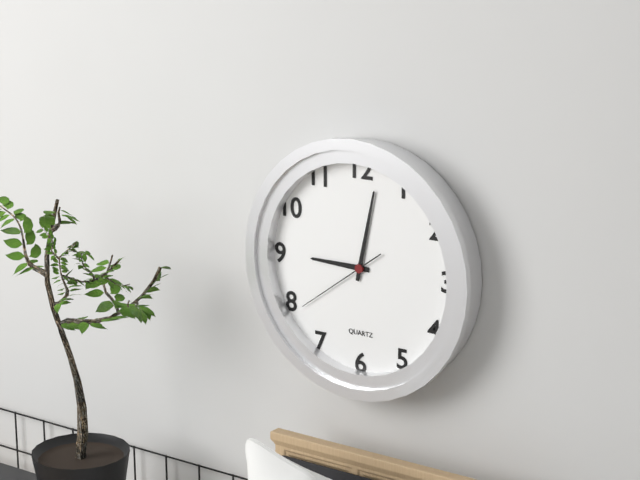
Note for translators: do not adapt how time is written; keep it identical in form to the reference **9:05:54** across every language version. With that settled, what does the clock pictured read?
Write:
**9:02:39**
